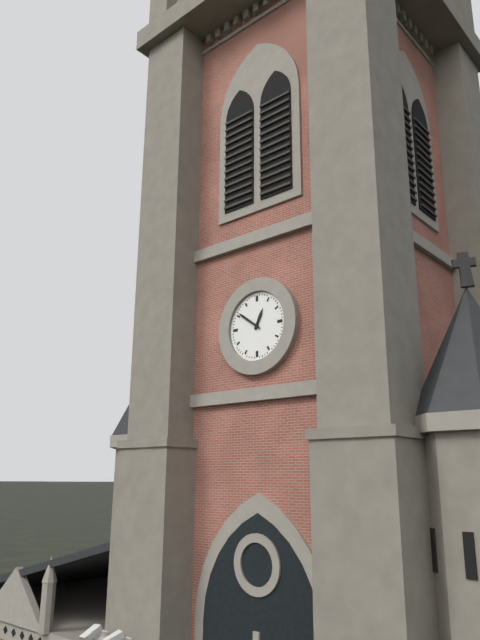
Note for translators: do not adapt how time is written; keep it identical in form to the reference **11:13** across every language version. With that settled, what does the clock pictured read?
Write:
**12:51**
